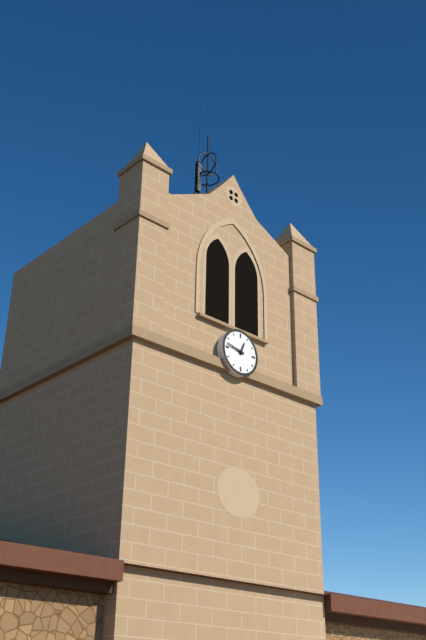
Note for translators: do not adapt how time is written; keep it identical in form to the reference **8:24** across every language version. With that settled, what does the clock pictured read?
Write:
**12:47**
